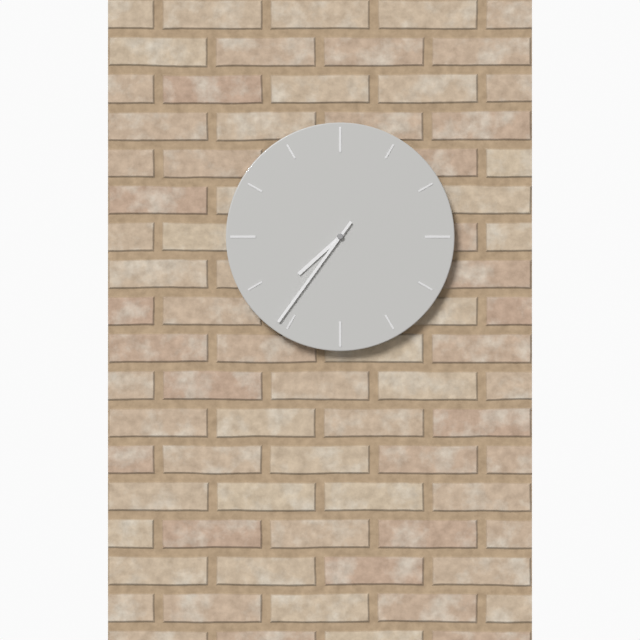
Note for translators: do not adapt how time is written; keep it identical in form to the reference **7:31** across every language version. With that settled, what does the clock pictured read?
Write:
**7:36**
